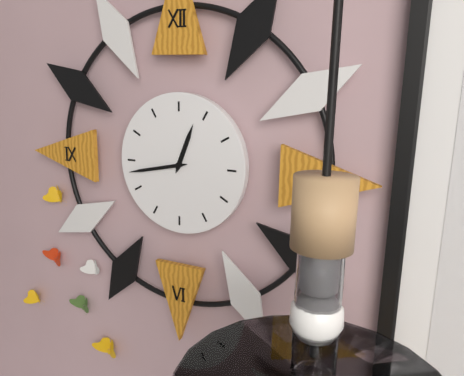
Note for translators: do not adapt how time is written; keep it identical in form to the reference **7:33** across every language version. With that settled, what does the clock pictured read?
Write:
**12:43**
